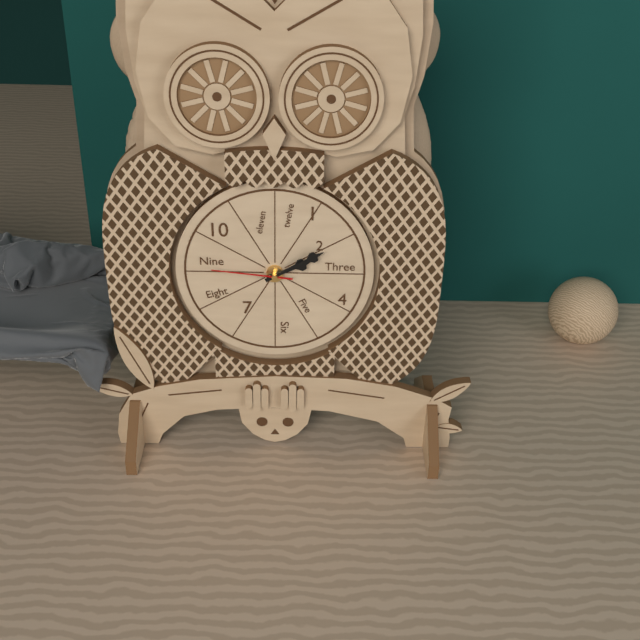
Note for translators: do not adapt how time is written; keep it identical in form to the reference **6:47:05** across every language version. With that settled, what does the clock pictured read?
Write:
**2:10:46**
